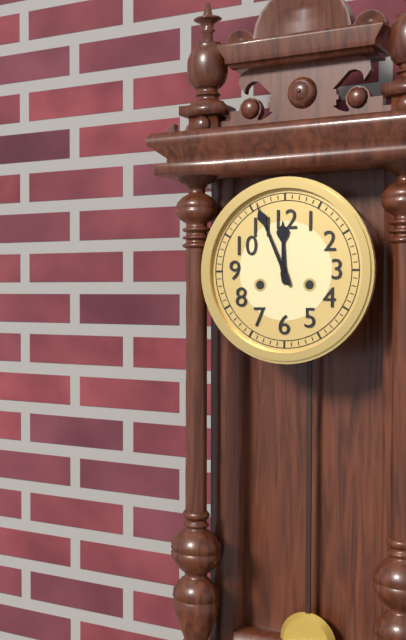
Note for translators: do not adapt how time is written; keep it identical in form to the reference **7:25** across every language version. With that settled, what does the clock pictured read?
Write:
**11:56**
